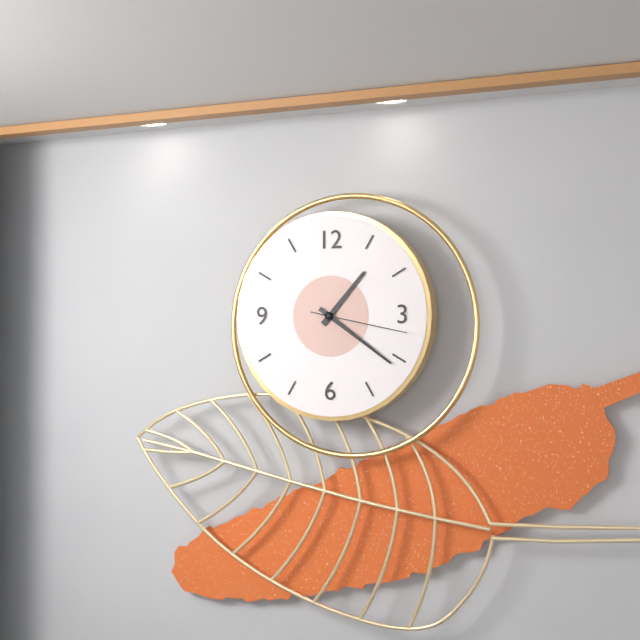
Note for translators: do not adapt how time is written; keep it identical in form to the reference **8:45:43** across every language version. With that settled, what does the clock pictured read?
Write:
**1:21:17**
